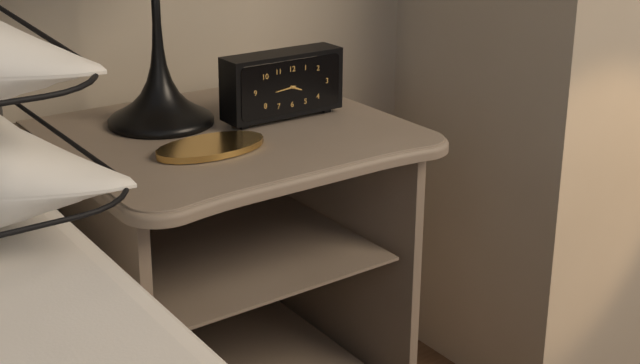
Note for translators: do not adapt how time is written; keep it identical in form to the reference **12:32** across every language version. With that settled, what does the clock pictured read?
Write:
**3:44**
